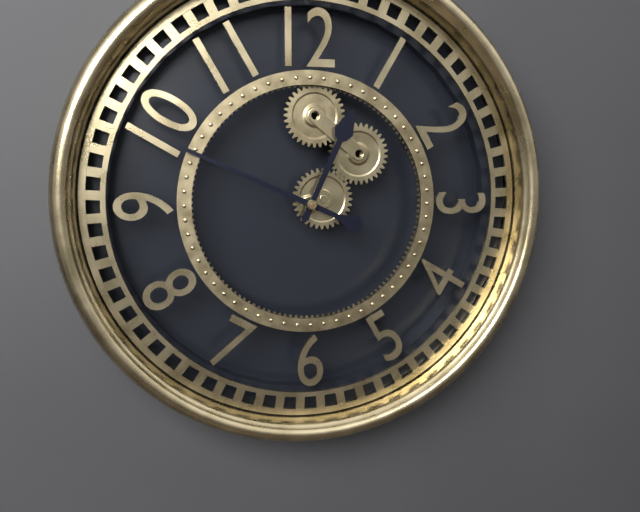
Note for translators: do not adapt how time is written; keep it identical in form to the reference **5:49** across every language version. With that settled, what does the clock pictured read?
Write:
**12:49**
